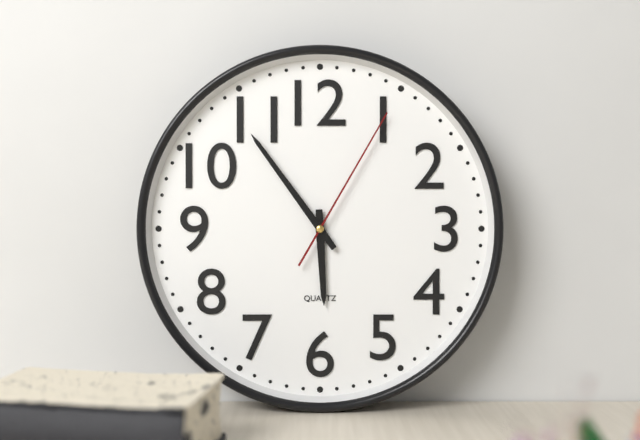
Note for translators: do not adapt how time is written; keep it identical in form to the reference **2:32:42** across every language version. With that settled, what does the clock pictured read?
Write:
**5:54:05**
